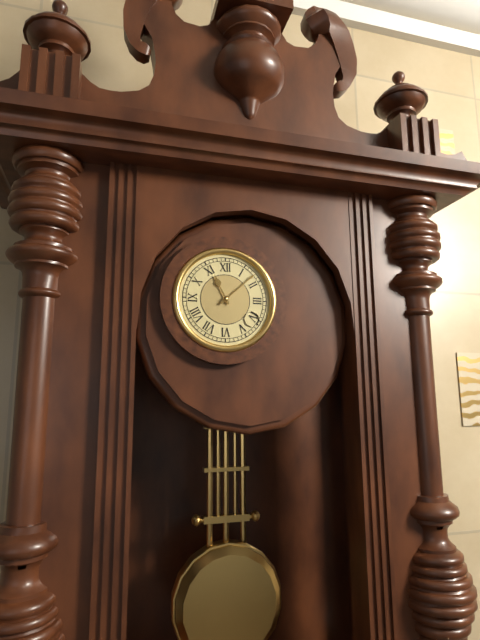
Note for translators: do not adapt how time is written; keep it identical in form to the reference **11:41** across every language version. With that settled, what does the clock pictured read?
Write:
**11:08**
